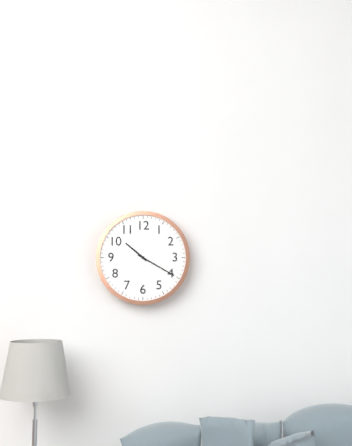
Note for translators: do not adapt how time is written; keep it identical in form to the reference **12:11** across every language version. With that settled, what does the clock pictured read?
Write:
**10:20**
